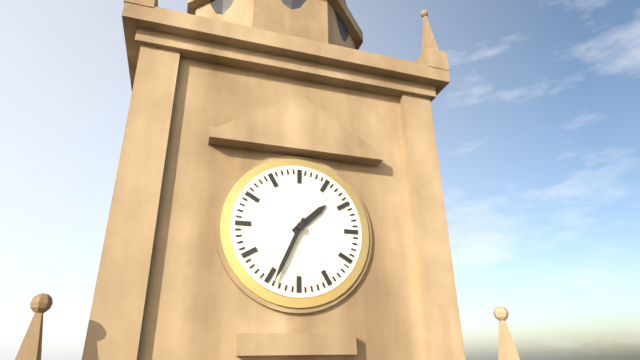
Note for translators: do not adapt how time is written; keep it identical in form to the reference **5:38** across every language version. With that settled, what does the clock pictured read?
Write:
**1:34**
